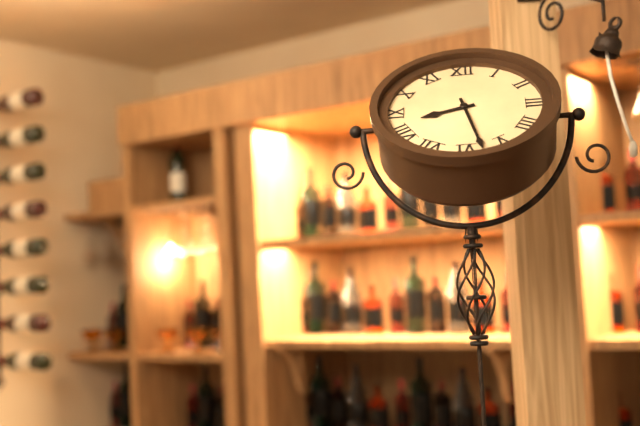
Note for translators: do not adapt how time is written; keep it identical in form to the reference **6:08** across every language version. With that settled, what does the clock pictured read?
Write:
**8:28**
